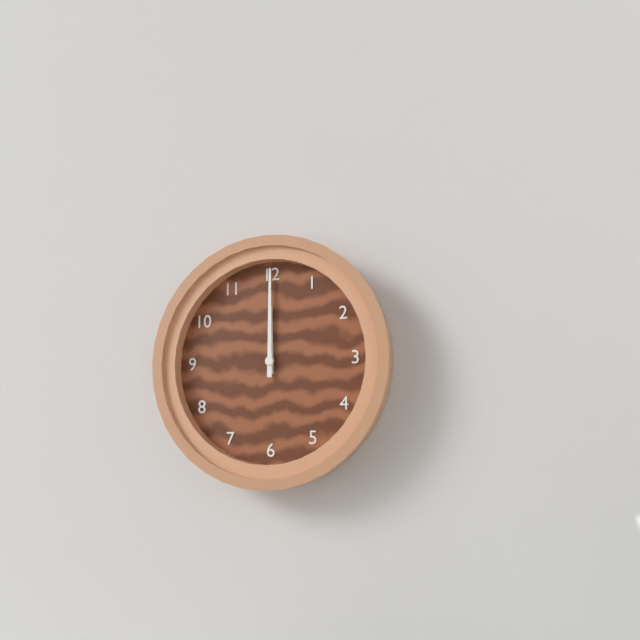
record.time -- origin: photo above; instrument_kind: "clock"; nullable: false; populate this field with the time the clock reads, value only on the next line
12:00
